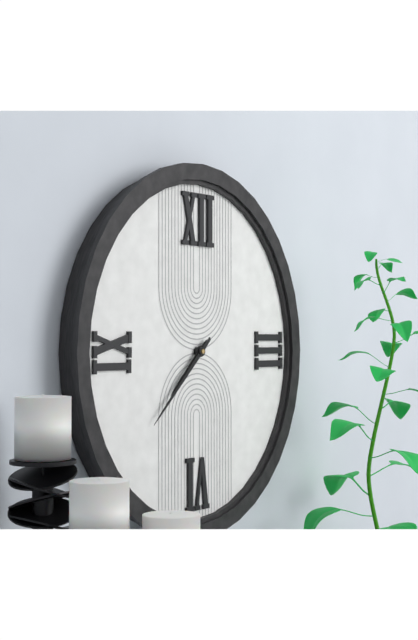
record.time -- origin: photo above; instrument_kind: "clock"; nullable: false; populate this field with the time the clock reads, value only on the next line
7:38
